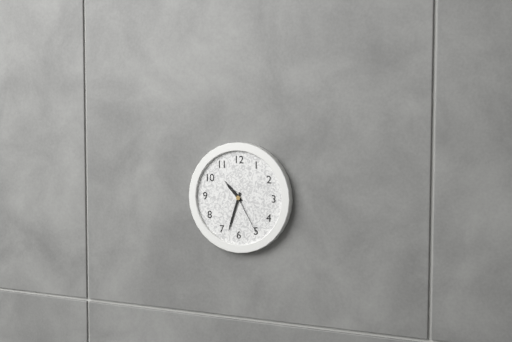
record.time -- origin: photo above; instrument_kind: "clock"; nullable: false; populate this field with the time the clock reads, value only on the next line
10:33
